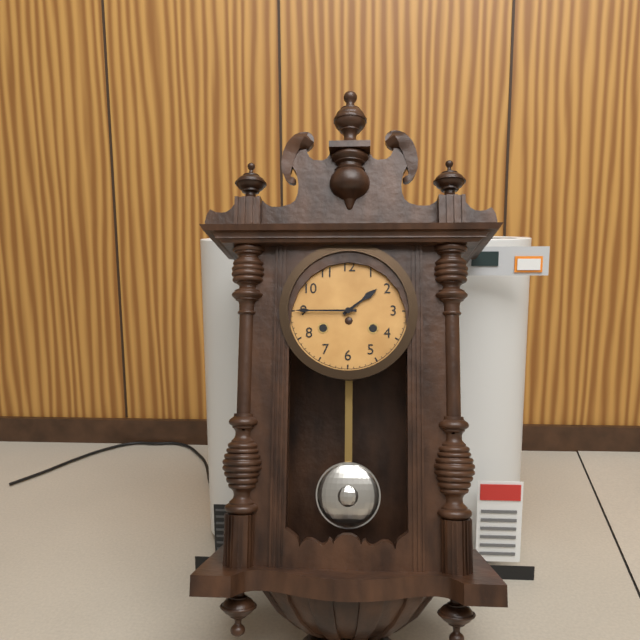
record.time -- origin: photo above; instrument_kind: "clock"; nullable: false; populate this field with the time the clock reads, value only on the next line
1:45
